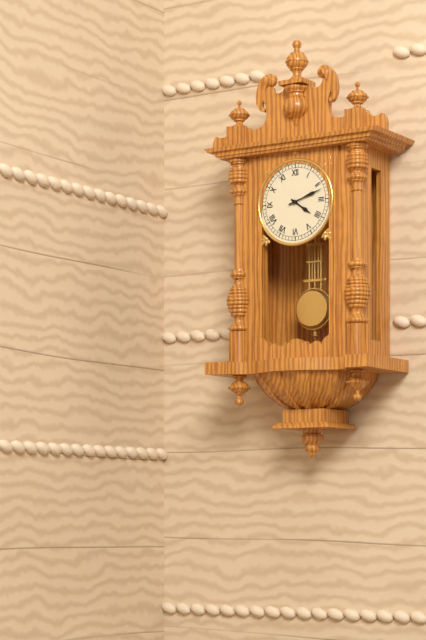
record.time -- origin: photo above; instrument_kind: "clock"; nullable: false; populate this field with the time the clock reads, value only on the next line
4:12
